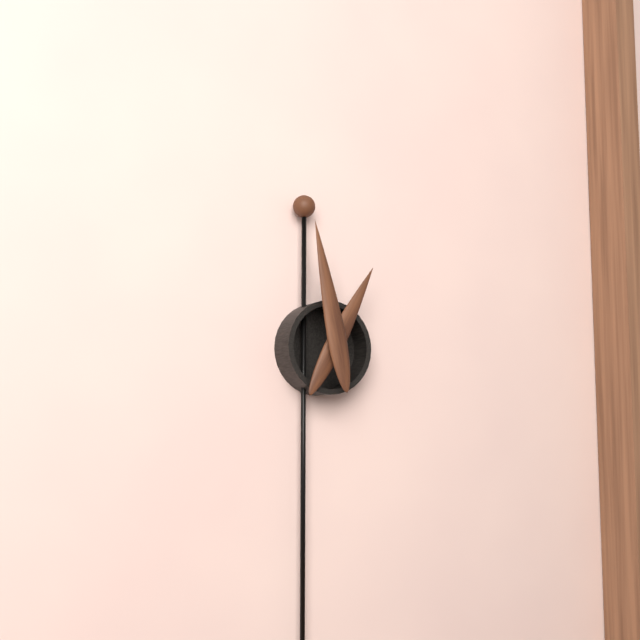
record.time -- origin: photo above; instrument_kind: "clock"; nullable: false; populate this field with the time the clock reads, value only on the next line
12:58
